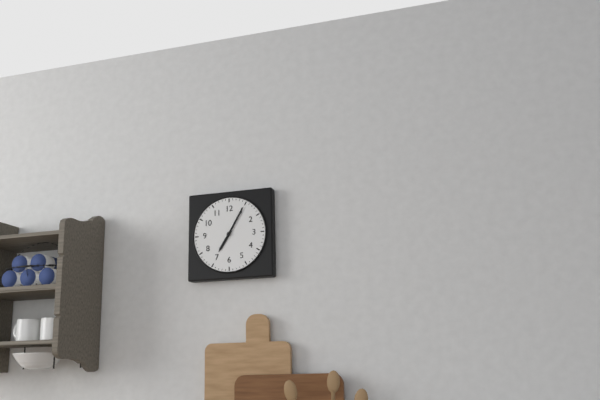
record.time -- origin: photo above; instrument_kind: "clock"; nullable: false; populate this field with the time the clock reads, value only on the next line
7:05
